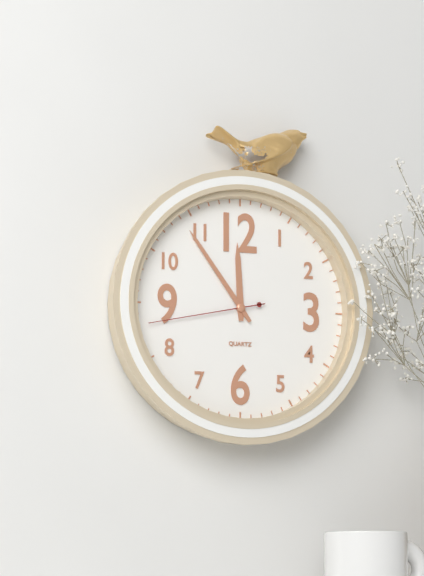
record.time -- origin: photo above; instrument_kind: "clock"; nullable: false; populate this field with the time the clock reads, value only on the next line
11:54:43
